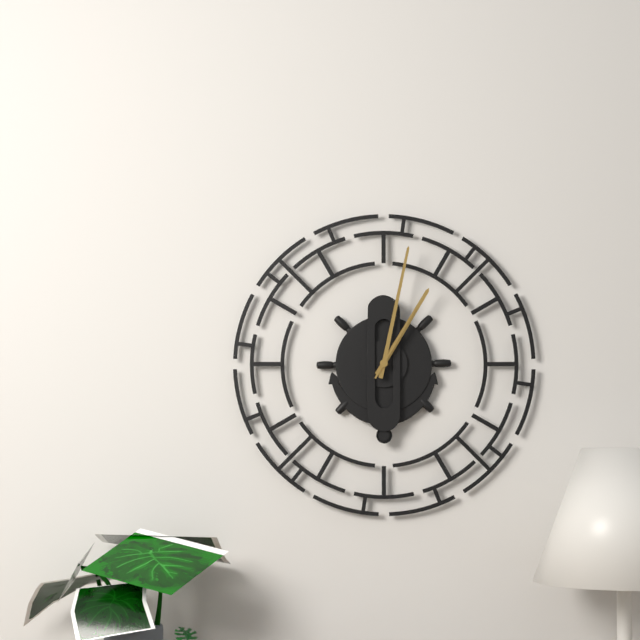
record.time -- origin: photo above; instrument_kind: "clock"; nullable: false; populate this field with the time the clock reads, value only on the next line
1:02:05
